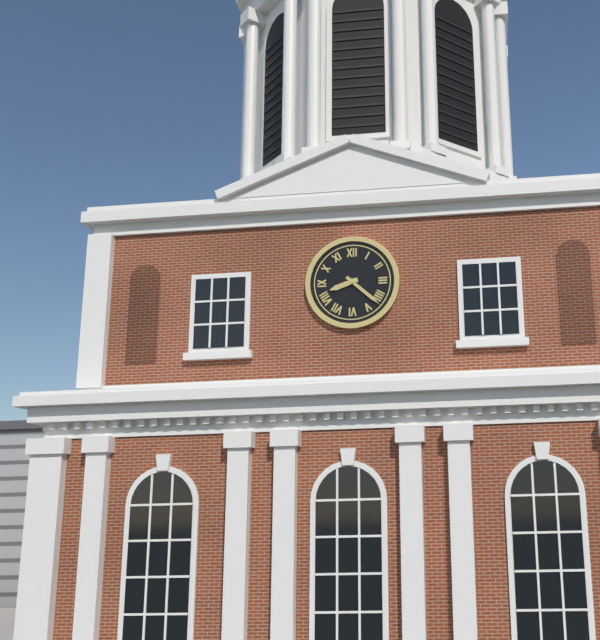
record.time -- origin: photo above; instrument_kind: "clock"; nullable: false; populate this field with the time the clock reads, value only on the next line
8:22
